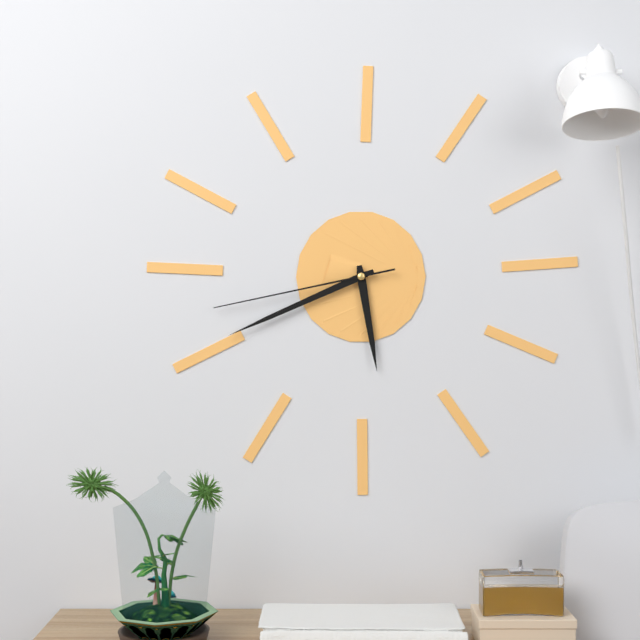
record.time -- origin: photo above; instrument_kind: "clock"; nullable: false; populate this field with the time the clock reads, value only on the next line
5:41:43
